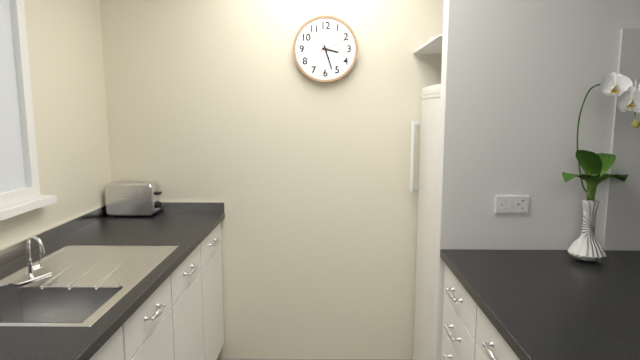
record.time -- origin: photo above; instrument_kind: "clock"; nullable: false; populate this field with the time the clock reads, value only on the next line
3:27
